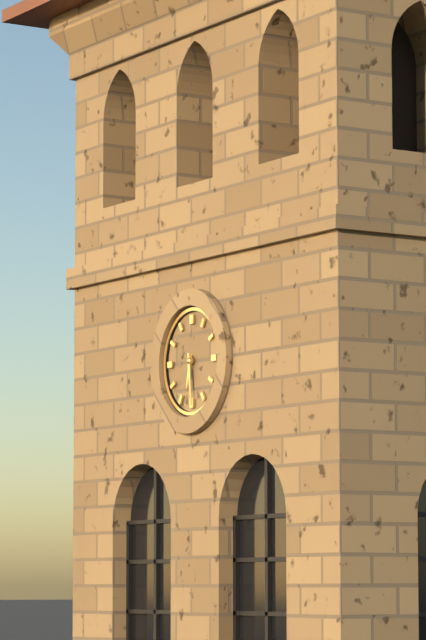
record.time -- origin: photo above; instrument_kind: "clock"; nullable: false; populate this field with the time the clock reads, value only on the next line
6:29
